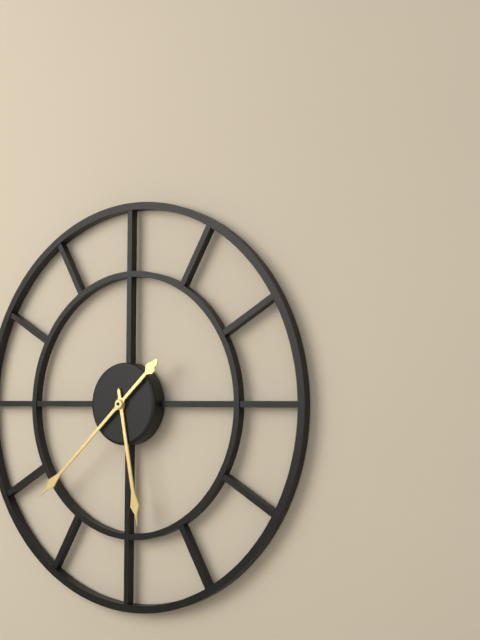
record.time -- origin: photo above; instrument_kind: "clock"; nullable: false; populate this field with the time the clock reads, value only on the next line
5:38
